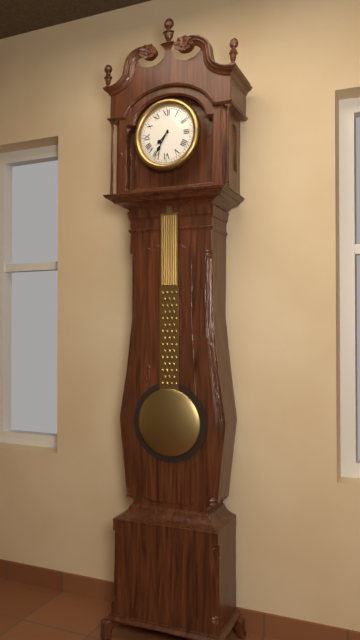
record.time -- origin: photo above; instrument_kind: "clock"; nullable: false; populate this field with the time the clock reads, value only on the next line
7:35
